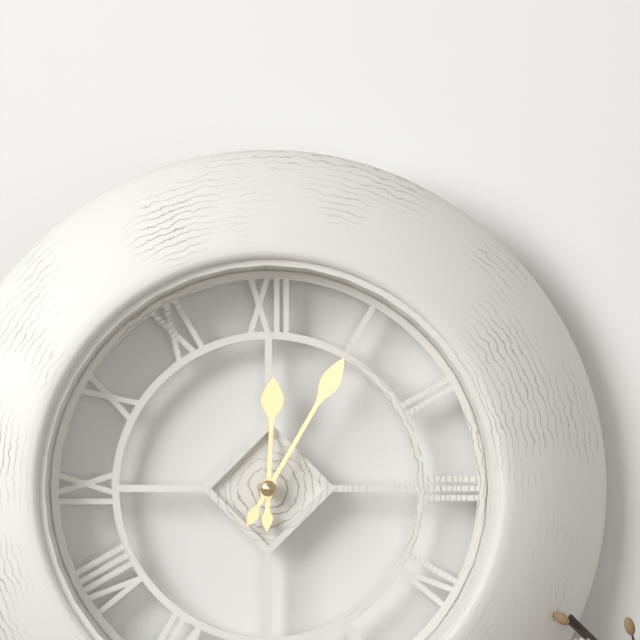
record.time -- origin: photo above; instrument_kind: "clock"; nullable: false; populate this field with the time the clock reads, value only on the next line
12:05
